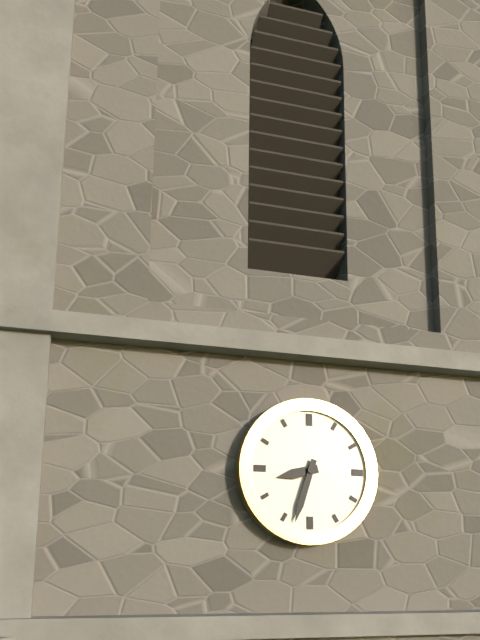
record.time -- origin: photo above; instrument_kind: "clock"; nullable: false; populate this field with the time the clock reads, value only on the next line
8:33
